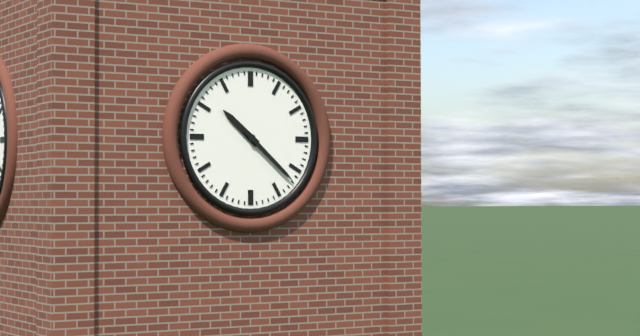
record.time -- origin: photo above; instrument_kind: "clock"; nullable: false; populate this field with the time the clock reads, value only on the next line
10:22
